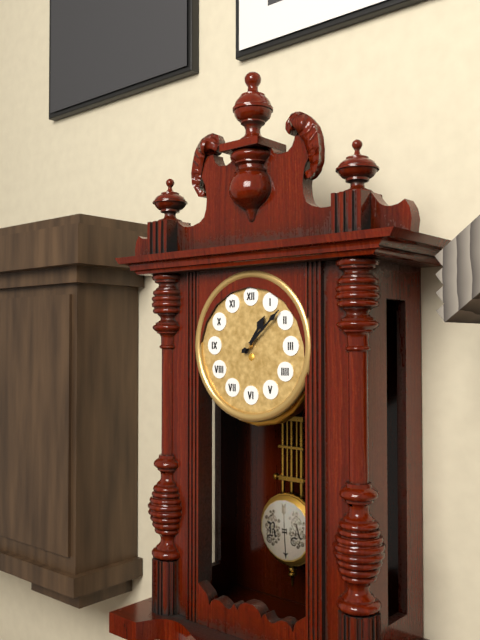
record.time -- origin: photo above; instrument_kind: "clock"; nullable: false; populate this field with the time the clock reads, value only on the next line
1:08
